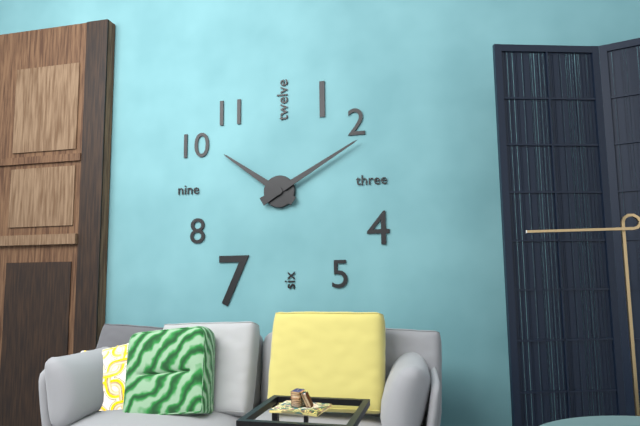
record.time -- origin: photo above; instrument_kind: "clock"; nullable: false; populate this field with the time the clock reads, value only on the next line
10:10
